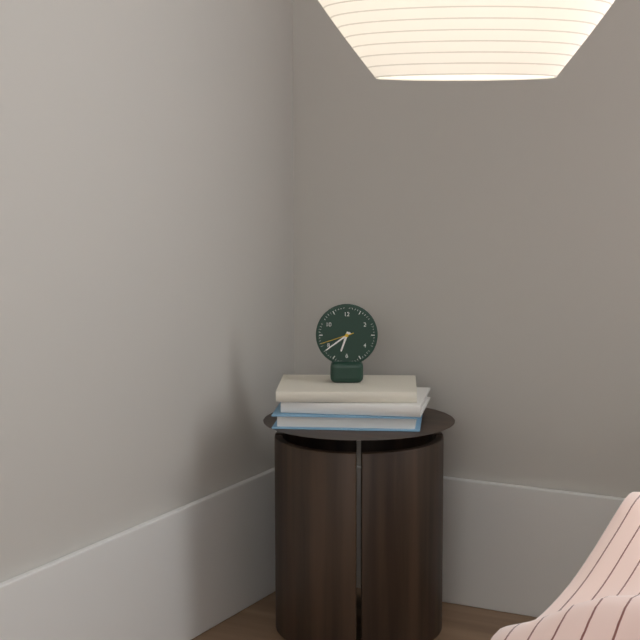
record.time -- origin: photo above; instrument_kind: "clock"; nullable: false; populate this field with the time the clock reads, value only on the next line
6:39
